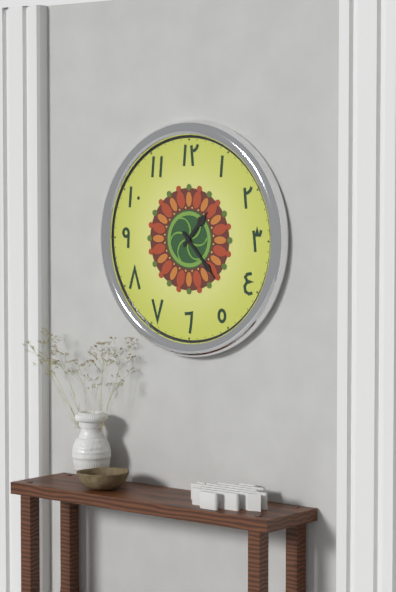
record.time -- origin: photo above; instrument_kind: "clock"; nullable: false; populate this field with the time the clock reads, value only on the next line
1:23
